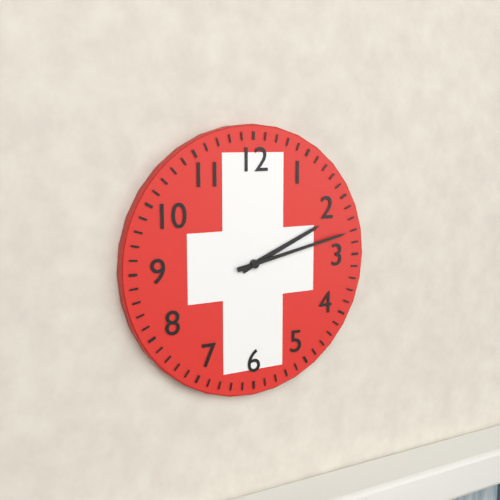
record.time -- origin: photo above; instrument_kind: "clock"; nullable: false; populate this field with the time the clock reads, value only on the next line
2:13
